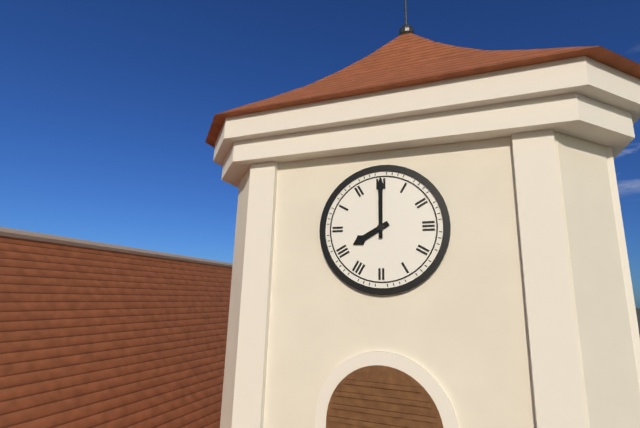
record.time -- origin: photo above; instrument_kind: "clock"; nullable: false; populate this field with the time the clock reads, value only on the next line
8:00
